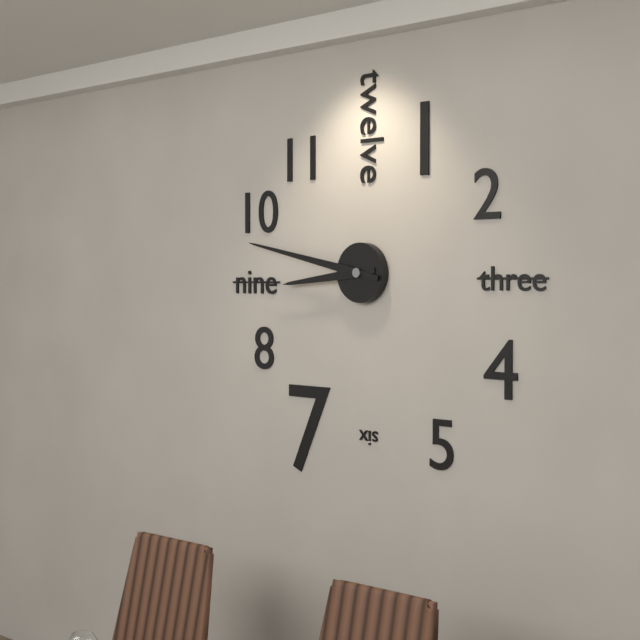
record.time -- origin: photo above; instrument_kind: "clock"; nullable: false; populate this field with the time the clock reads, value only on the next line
8:47
